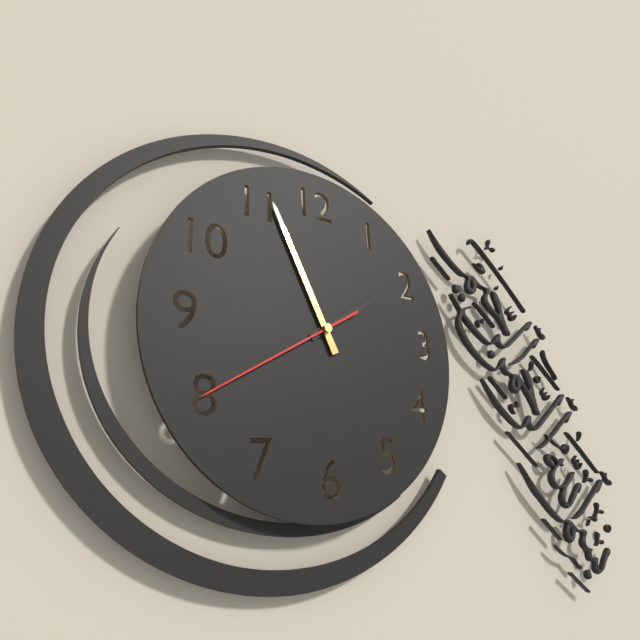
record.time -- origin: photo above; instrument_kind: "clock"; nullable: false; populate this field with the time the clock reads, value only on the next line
1:56:40
